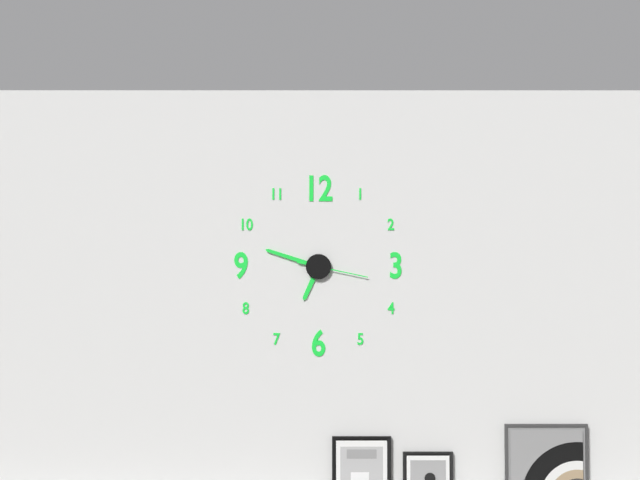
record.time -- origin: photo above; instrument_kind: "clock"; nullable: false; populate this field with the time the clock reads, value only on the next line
6:48:17
